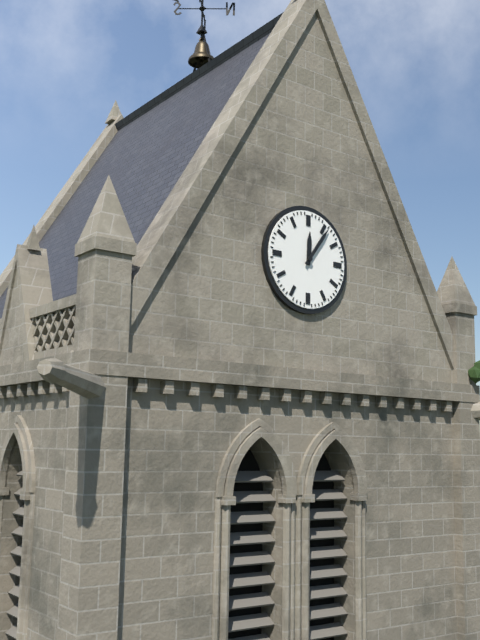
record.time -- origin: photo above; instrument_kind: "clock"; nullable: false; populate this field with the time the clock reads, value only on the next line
12:06
